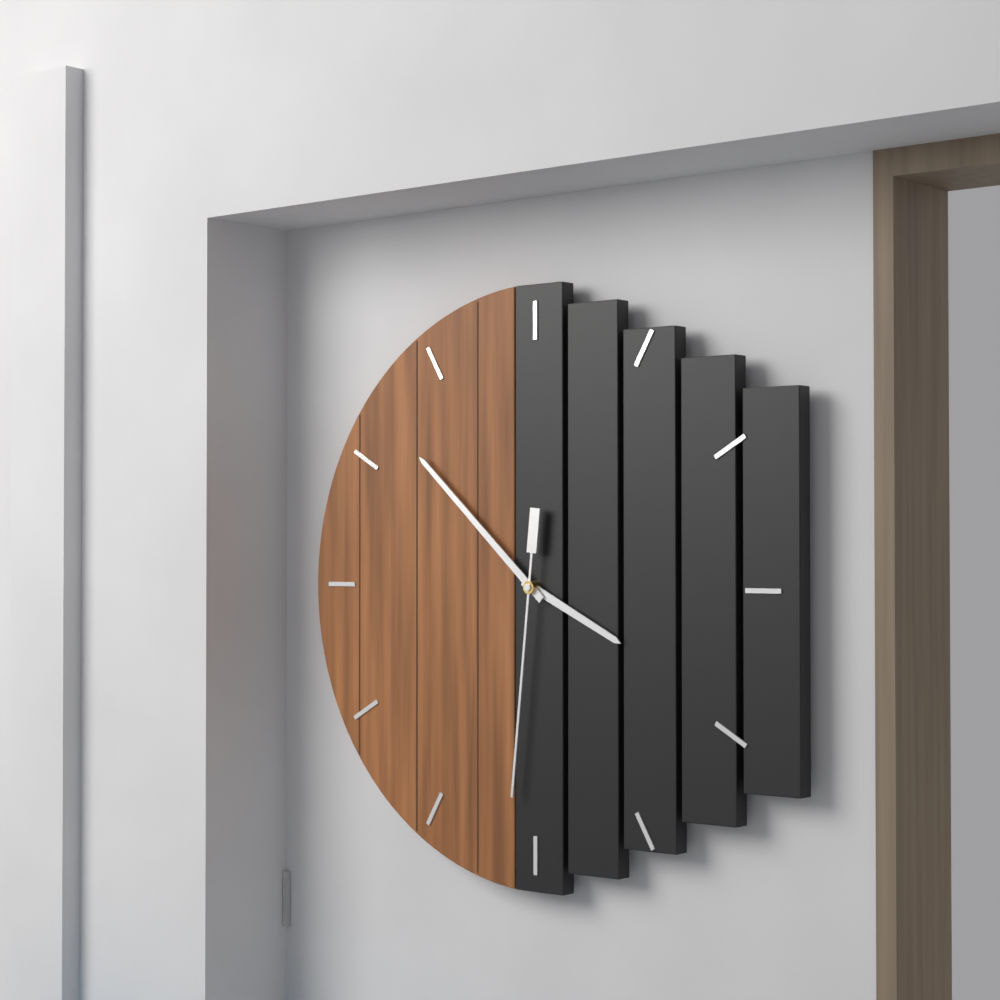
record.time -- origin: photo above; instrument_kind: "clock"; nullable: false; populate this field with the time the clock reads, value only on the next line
3:52:31
